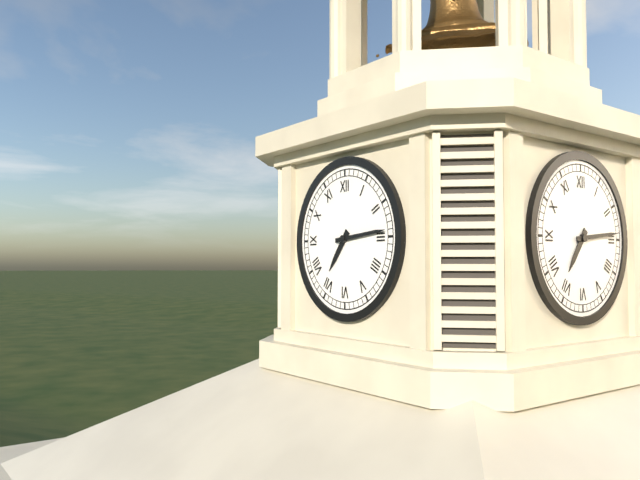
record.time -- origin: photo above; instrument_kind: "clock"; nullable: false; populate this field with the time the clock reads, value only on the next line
7:14
